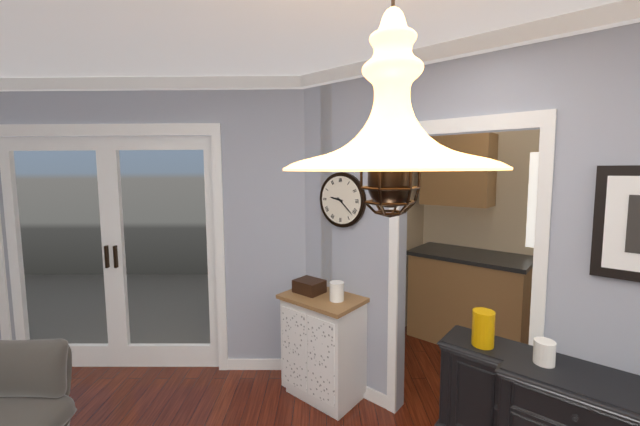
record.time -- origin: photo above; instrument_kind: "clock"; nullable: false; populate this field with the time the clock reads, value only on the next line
9:22
